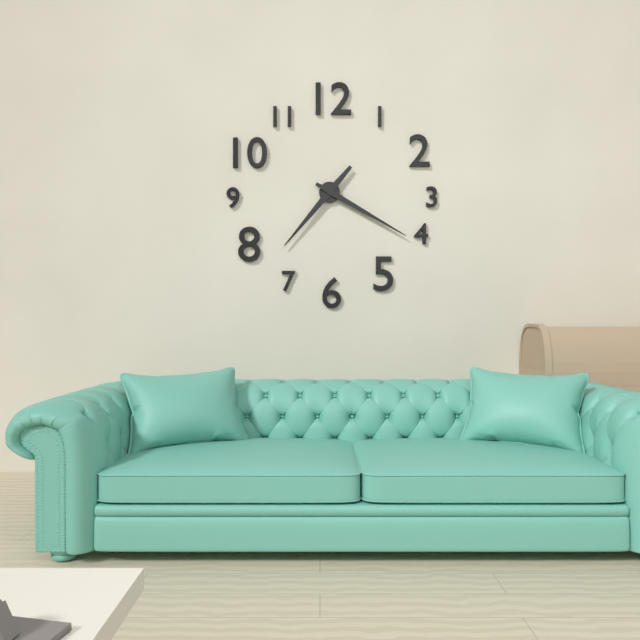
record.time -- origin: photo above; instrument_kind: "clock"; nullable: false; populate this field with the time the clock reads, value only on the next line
7:20
